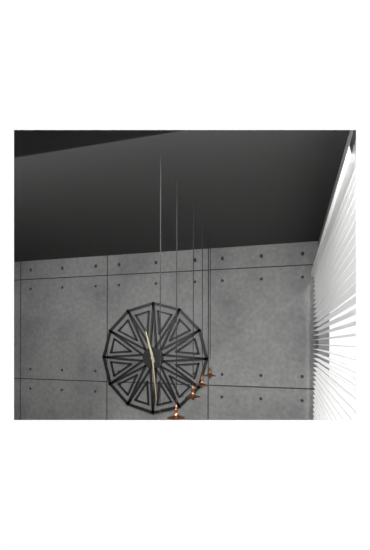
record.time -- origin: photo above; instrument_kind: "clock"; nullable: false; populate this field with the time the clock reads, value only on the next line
11:29
